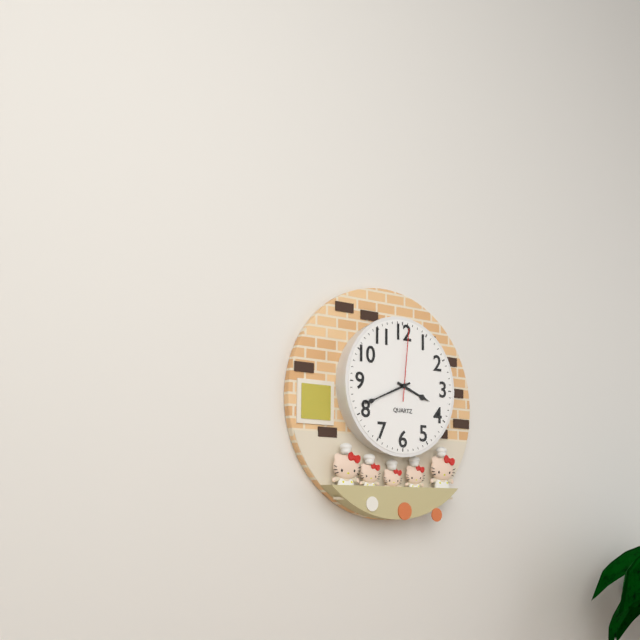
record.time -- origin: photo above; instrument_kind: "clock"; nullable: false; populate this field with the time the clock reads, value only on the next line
3:41:01
